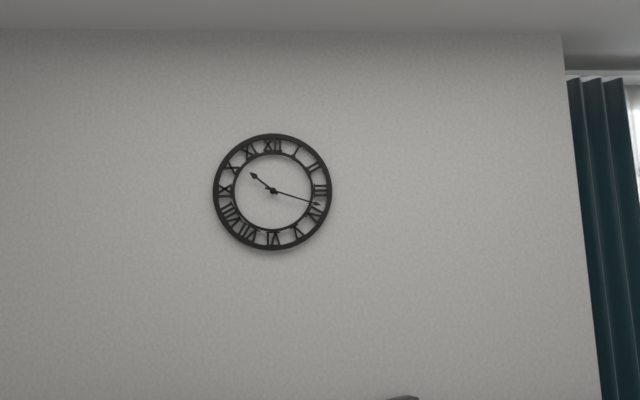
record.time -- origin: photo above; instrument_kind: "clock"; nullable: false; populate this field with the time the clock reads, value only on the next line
10:18
